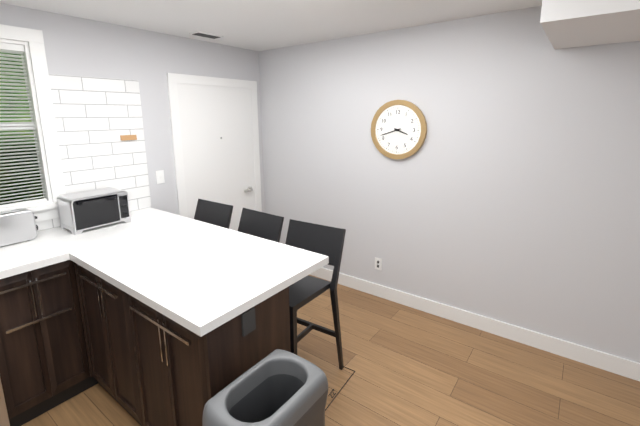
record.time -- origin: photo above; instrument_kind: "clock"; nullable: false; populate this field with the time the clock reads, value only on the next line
3:42
